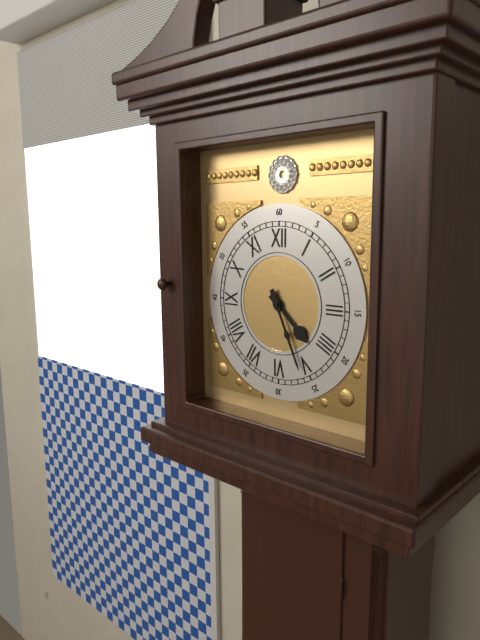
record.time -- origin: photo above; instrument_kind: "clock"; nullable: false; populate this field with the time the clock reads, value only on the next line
4:26
